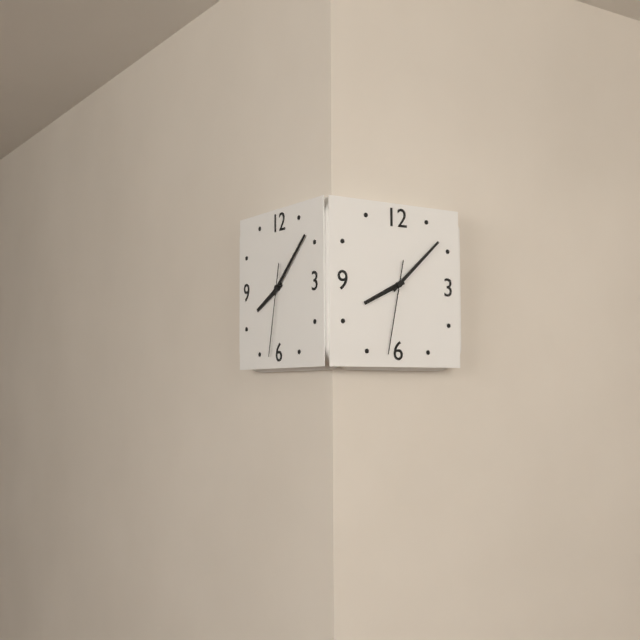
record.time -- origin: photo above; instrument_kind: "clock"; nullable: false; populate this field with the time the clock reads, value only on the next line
8:08:32
